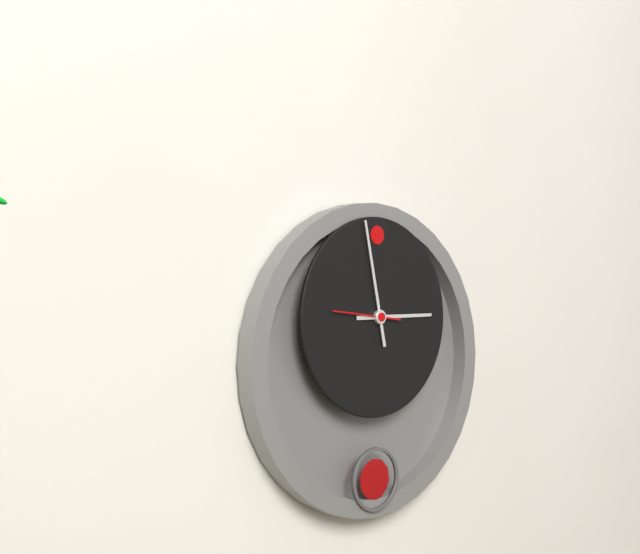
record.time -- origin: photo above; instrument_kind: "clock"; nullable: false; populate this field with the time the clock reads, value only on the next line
2:58:46
